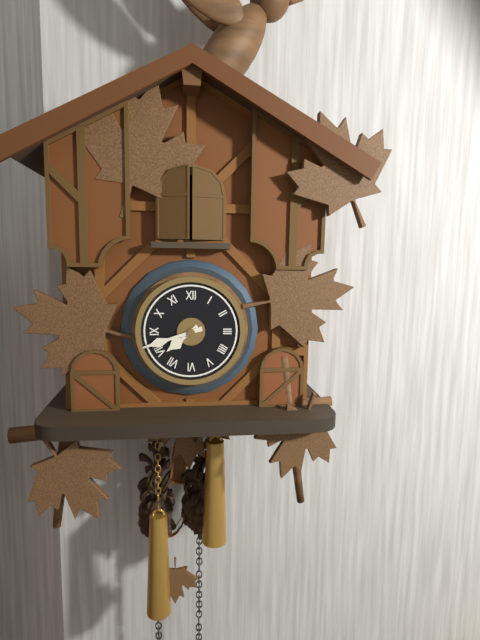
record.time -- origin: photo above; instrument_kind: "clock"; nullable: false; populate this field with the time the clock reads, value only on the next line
7:42
